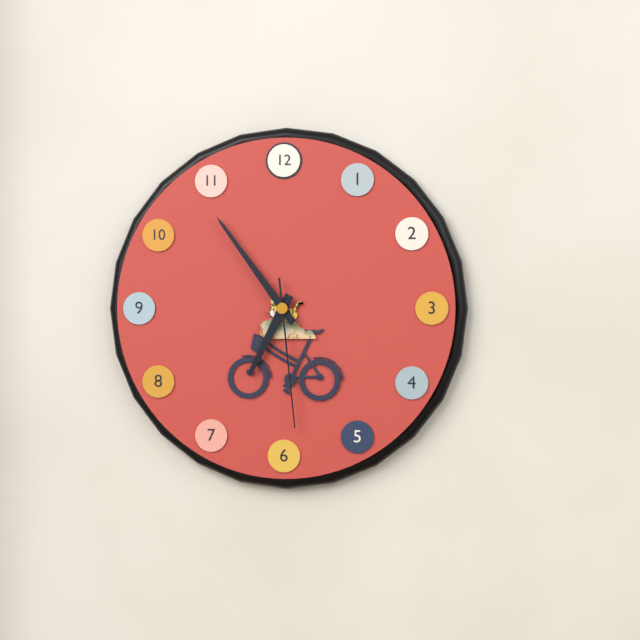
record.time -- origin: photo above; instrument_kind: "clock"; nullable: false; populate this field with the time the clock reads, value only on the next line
6:54:29
